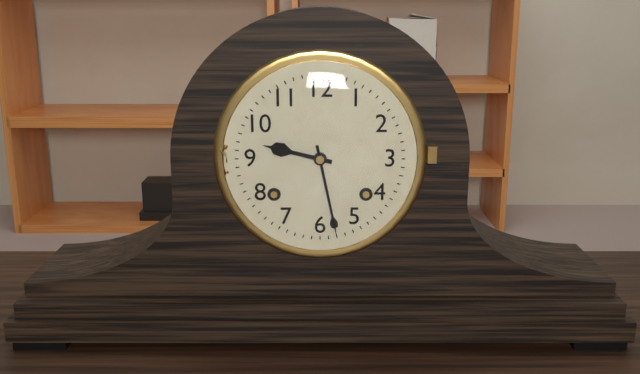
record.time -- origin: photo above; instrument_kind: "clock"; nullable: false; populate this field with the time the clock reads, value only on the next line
9:28
